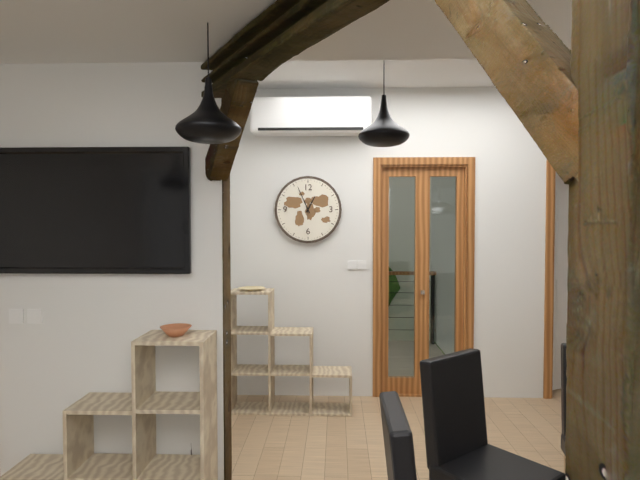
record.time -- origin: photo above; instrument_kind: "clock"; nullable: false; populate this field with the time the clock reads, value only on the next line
12:56
